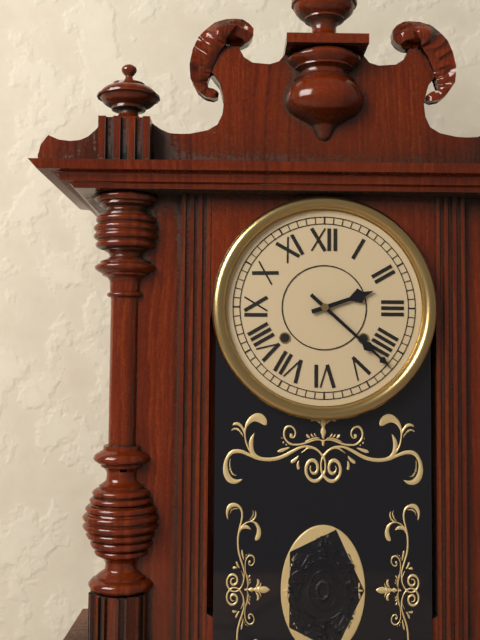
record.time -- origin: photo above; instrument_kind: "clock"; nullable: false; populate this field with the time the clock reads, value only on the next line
2:22
